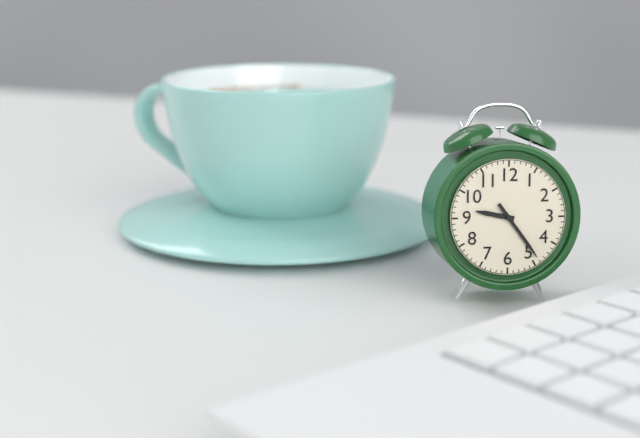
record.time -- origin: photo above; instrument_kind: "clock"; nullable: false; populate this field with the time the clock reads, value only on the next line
9:24
